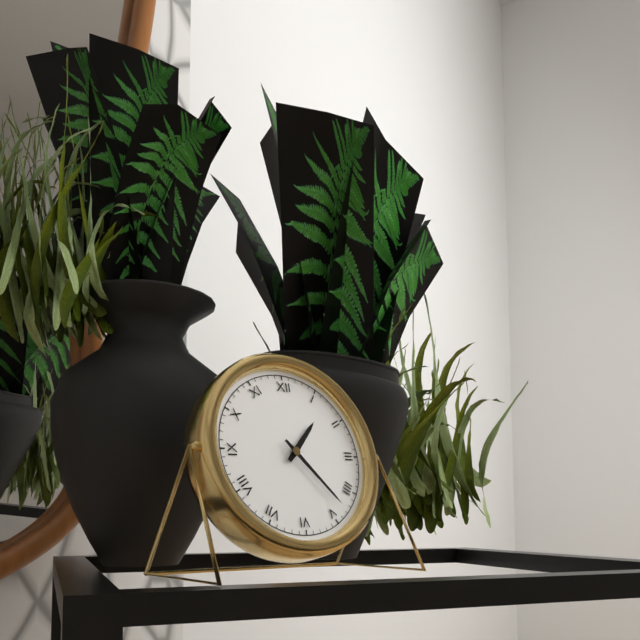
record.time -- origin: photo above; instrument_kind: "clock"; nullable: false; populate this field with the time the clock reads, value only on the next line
1:23
